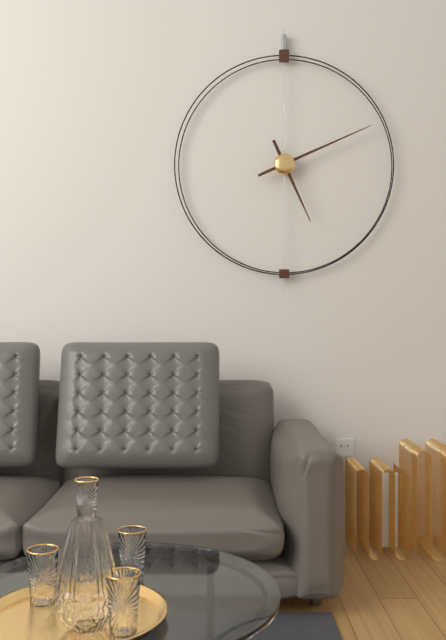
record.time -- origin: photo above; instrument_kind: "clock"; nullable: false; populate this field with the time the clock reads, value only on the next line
5:11
